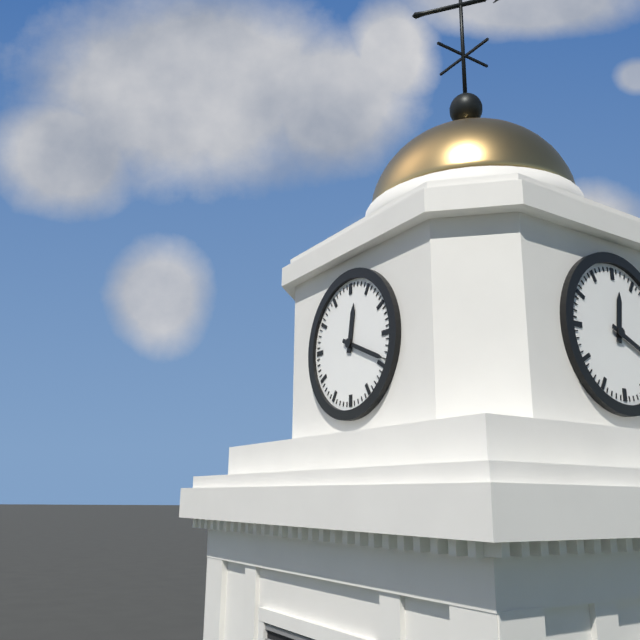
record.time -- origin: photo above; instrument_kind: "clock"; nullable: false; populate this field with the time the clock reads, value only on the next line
12:19
